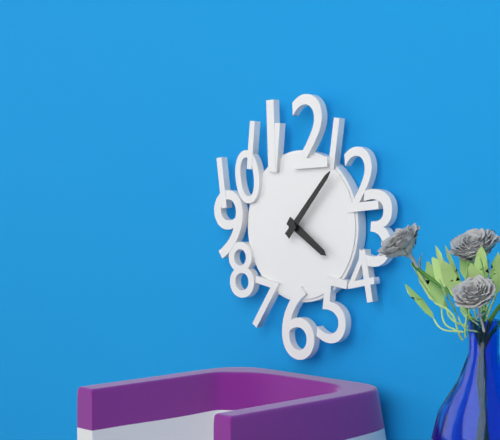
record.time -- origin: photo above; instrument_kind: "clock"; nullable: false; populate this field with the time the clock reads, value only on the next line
4:07
